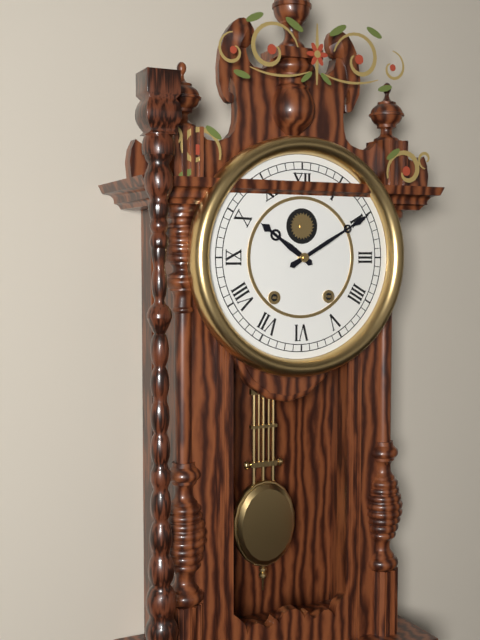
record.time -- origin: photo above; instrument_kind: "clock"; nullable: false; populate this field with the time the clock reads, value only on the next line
10:10
